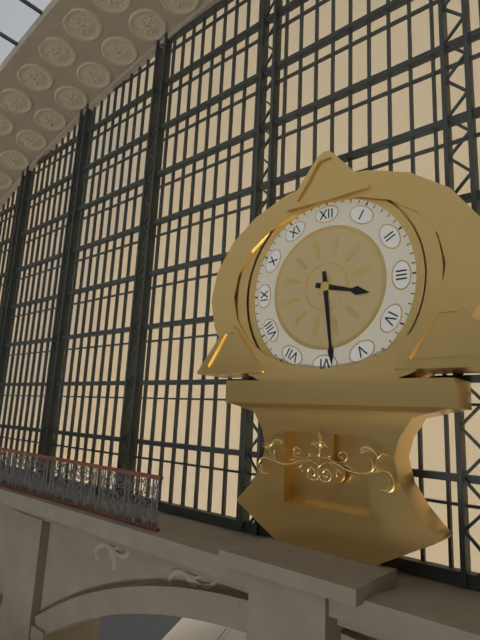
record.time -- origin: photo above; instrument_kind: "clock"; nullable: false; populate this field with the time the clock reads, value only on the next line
3:29
